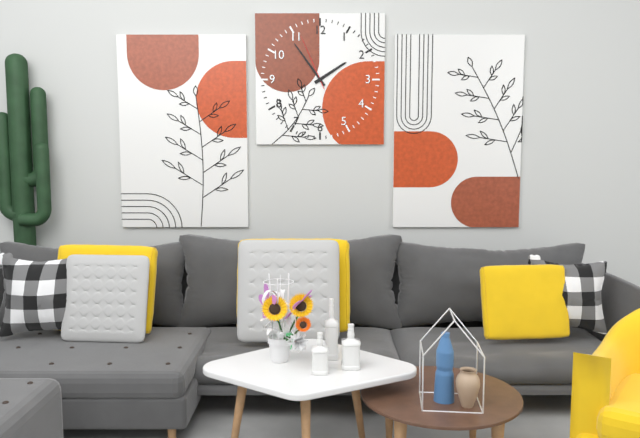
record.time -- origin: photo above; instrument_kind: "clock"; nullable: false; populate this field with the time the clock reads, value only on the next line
1:54:56
